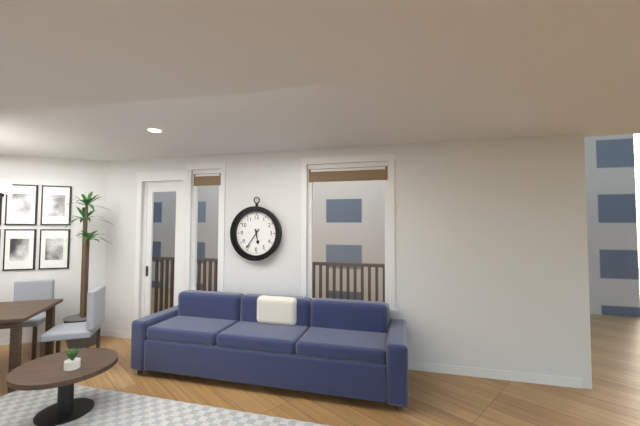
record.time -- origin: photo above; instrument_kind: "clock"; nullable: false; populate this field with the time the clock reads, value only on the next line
5:36
